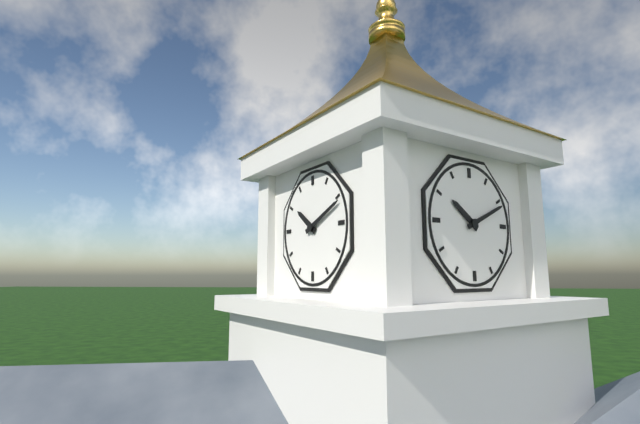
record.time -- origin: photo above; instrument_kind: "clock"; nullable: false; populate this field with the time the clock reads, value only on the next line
10:11
